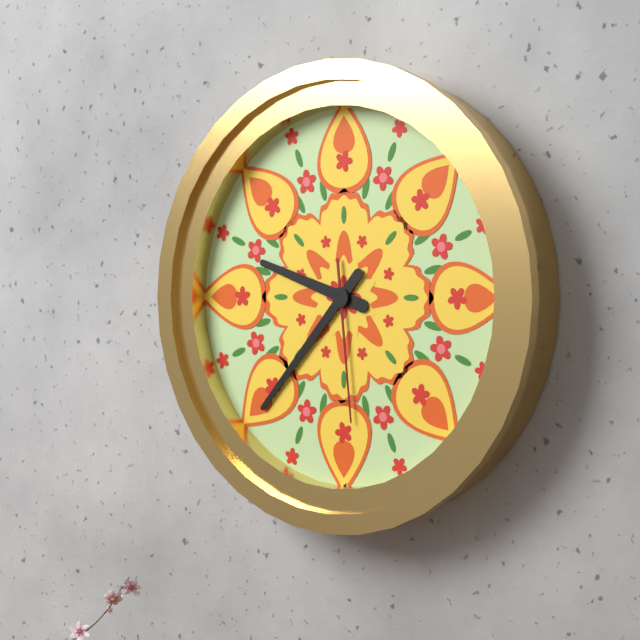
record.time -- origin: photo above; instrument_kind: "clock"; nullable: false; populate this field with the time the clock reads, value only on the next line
9:37:29
